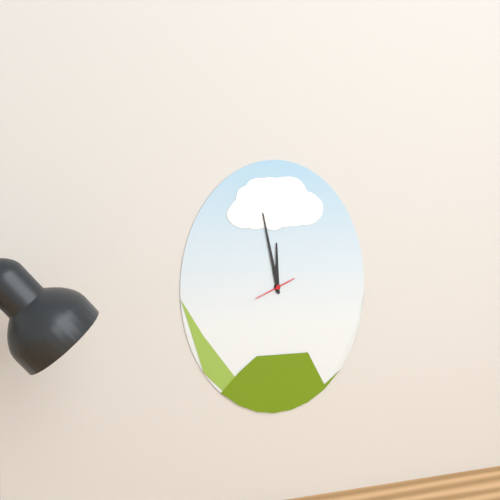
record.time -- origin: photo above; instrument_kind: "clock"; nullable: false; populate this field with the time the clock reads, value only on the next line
11:58
